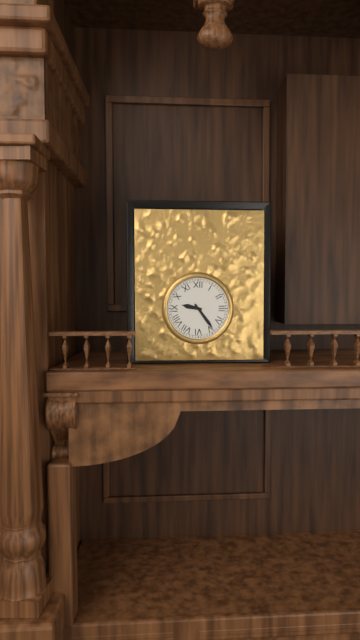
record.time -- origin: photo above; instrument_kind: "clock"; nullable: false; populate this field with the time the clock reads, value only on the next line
9:24
